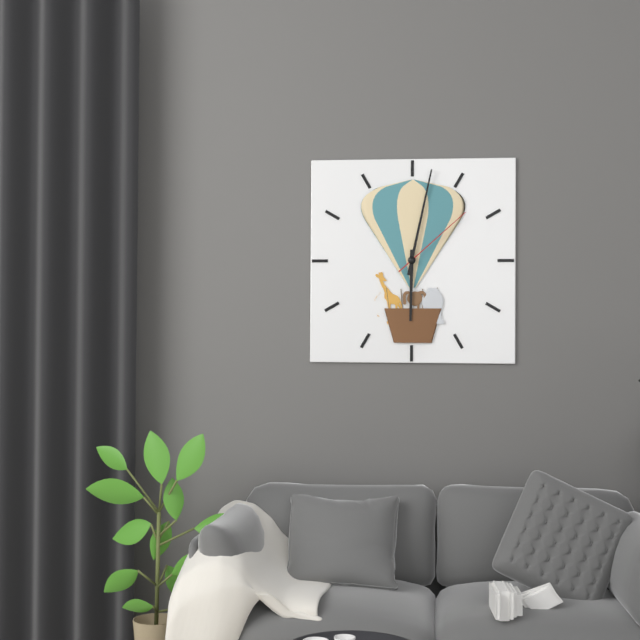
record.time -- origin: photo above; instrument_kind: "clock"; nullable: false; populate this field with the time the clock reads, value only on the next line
6:02:08
